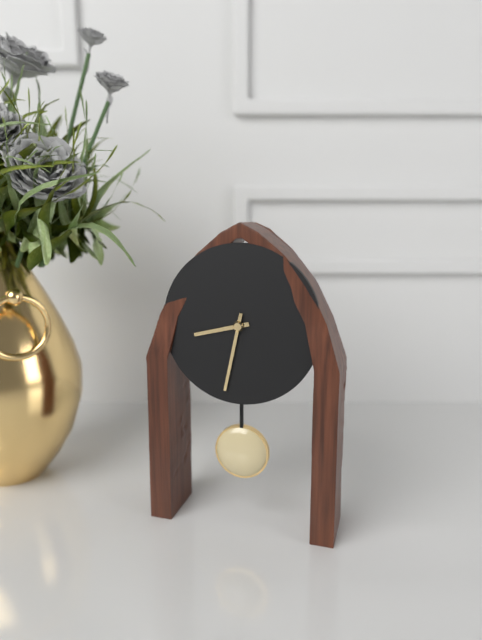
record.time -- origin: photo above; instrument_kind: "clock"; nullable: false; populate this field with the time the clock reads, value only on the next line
8:32
